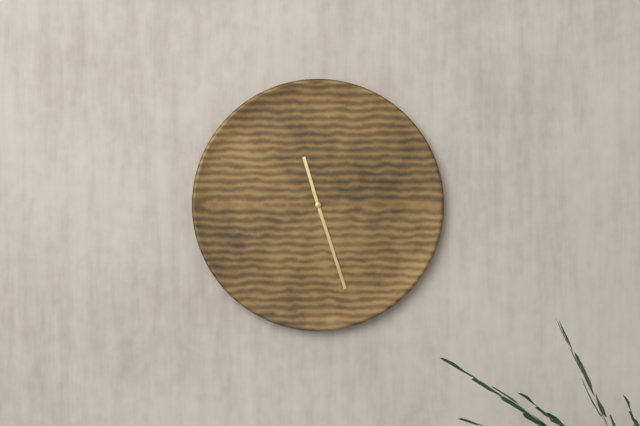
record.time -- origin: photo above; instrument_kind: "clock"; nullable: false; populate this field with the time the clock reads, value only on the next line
11:27
